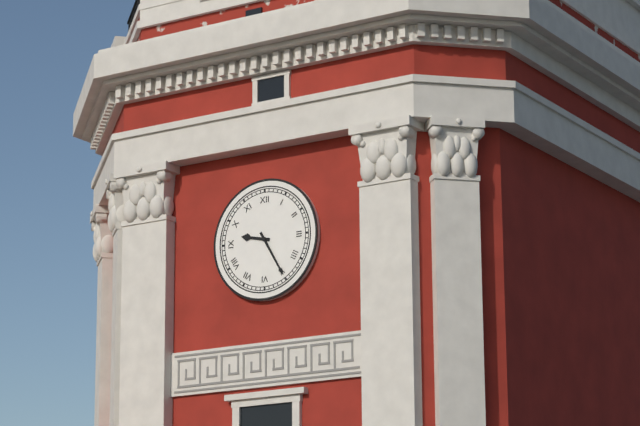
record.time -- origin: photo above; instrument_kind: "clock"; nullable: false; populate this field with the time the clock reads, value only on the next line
9:25
